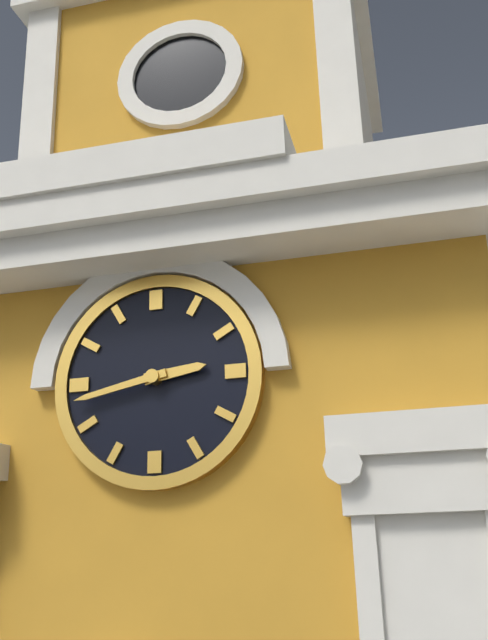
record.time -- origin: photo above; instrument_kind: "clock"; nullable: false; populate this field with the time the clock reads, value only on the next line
2:43
